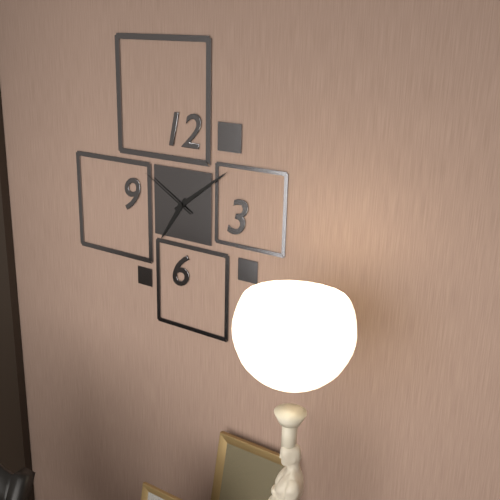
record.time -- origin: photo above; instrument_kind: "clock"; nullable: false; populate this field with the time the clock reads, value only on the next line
7:09:50
